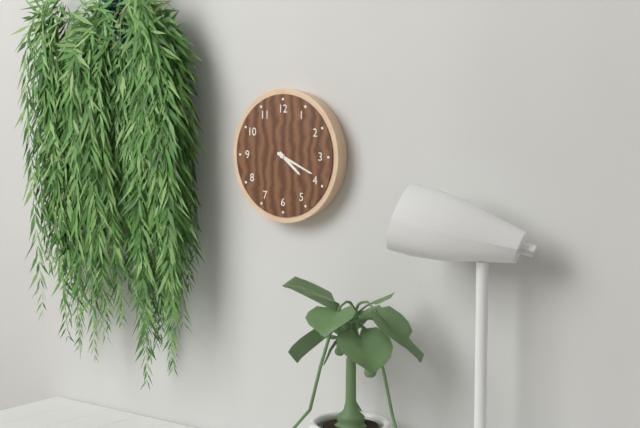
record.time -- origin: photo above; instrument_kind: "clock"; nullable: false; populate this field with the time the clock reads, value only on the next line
4:19
